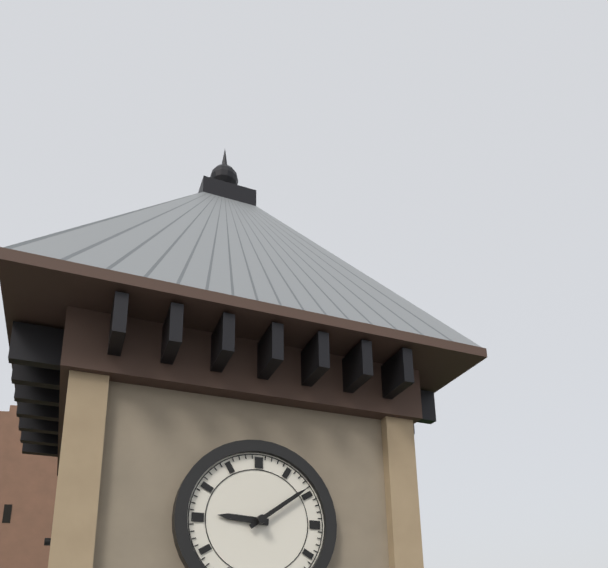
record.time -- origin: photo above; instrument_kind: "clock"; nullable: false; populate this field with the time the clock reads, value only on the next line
9:09
